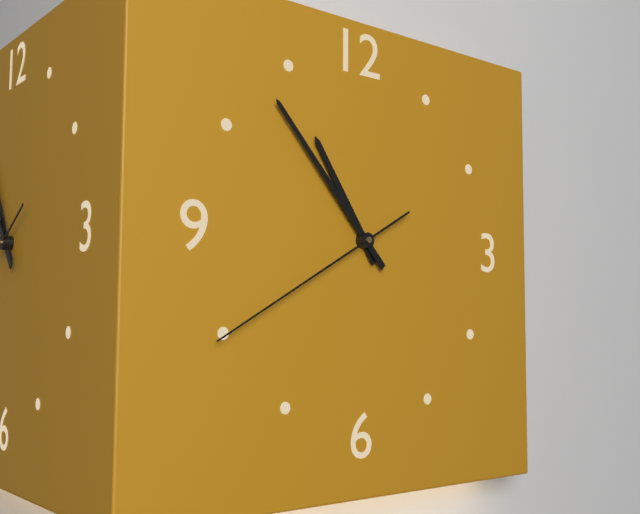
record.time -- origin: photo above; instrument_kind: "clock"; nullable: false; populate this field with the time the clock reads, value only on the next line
10:53:40
